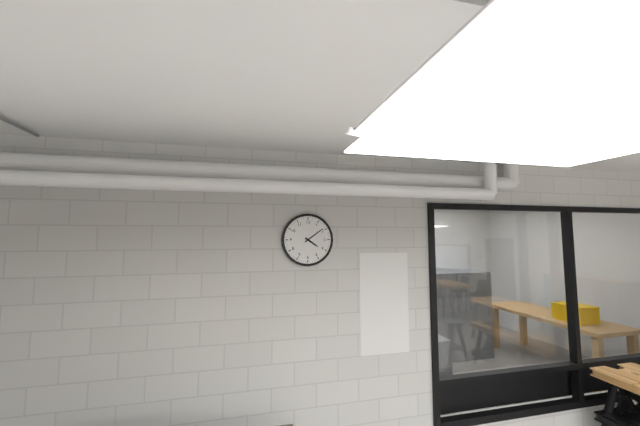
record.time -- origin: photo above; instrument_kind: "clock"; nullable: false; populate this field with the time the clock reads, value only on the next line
4:09
